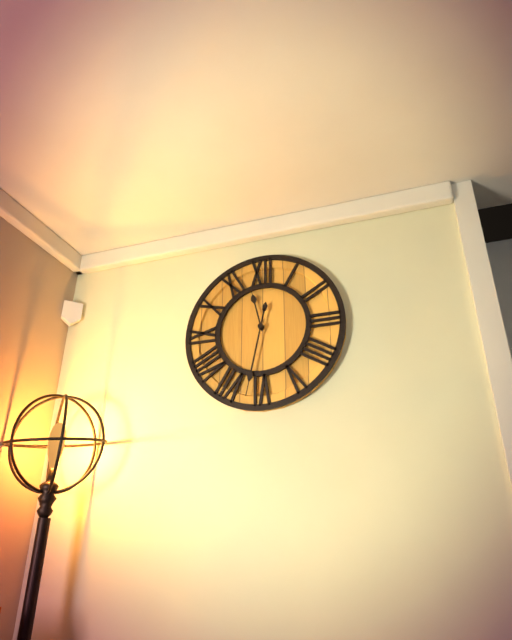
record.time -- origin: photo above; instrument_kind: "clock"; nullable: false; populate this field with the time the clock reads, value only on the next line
11:32
